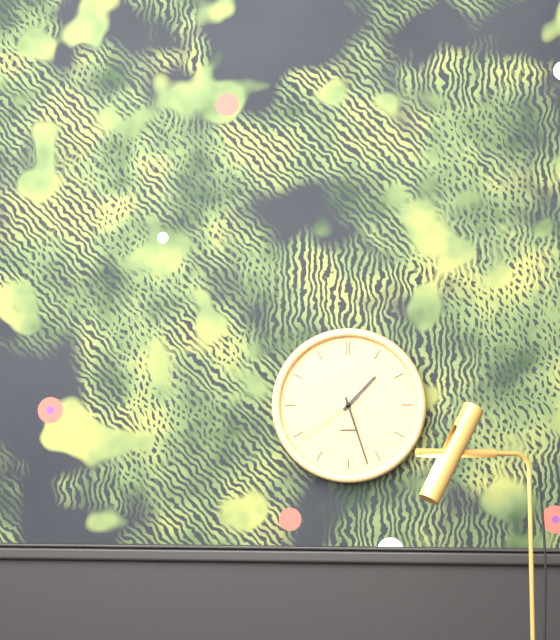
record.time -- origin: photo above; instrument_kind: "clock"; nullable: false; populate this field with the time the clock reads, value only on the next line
1:27:39
